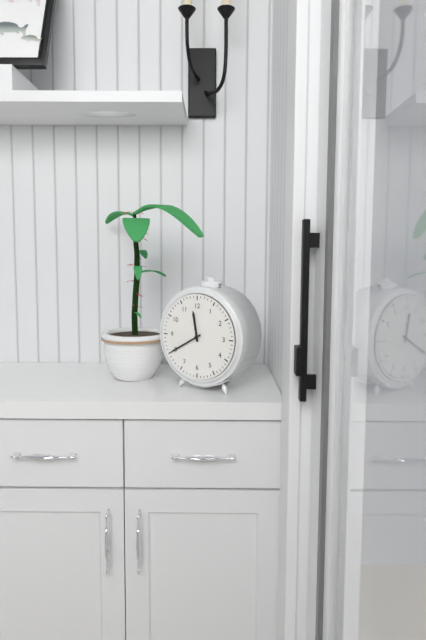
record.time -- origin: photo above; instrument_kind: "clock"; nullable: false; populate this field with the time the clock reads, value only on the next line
11:40
